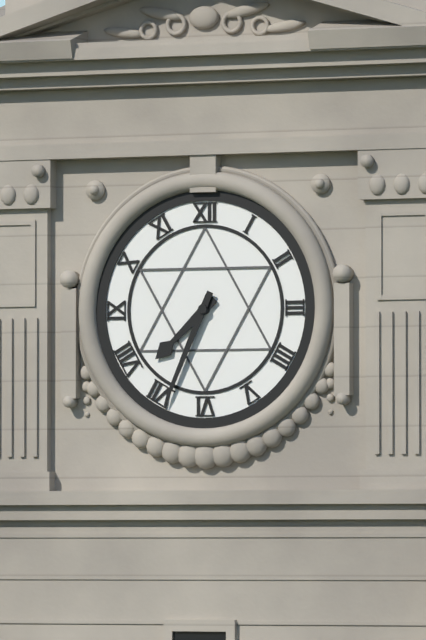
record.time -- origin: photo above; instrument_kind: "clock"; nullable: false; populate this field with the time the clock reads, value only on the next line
7:34
